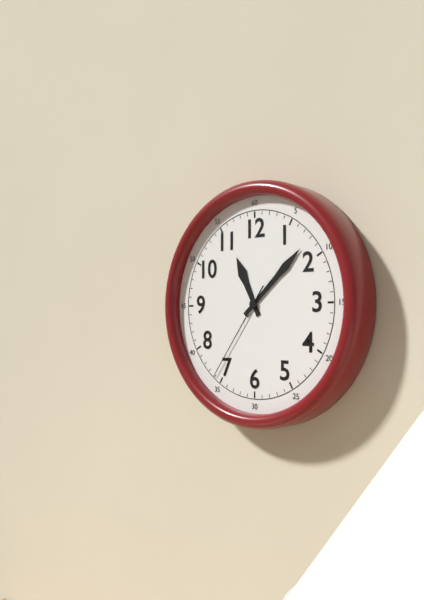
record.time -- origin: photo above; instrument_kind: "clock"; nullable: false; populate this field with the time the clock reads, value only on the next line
11:08:36
